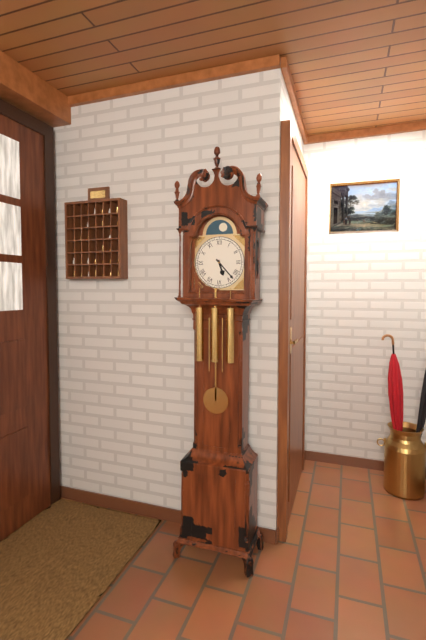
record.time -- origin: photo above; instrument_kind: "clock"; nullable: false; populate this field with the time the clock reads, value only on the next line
5:23
